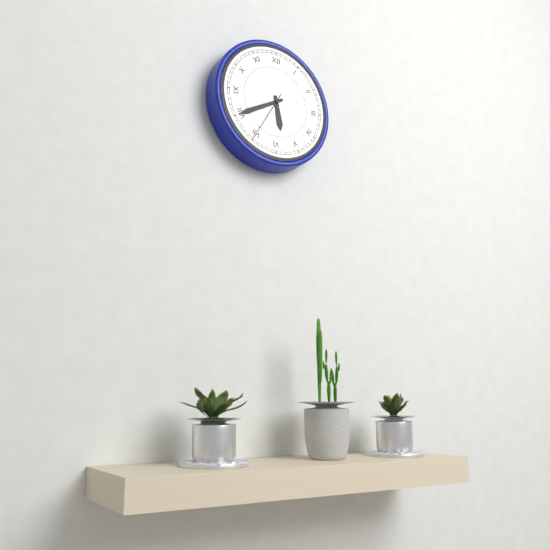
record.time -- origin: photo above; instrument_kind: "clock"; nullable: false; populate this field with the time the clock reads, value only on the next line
5:40:35
